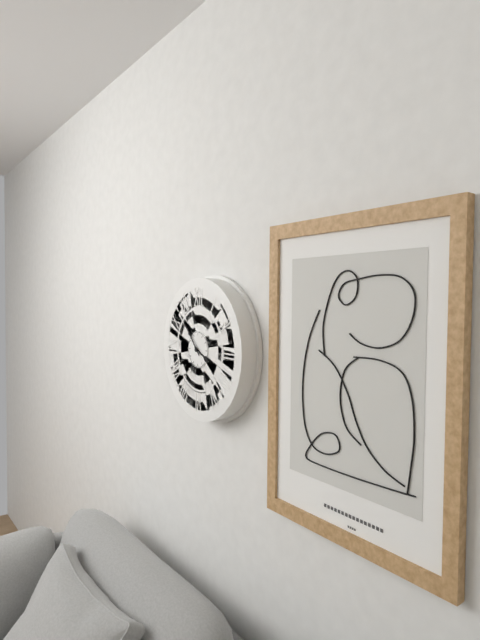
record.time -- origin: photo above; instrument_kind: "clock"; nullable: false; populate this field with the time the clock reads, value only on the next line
3:53
